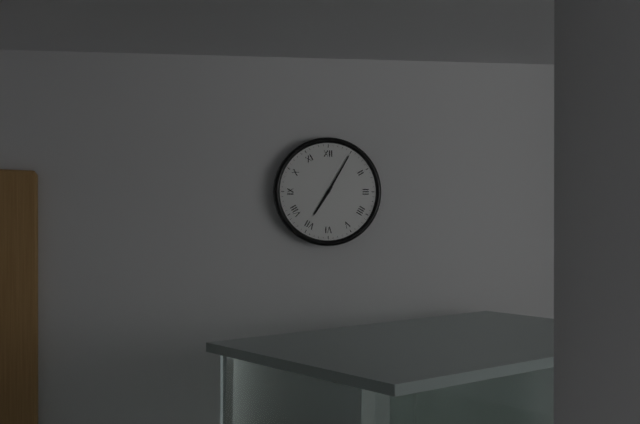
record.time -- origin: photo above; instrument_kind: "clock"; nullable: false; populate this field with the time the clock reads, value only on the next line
7:05
